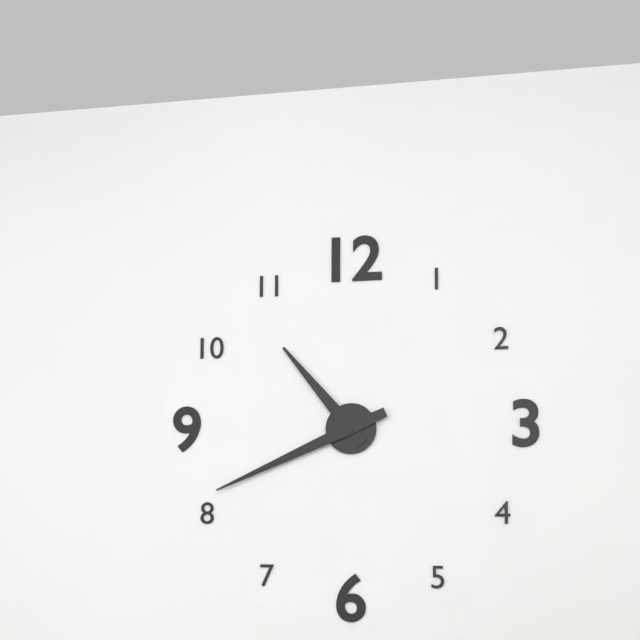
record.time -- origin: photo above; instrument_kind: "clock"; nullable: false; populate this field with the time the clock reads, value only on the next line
10:41
